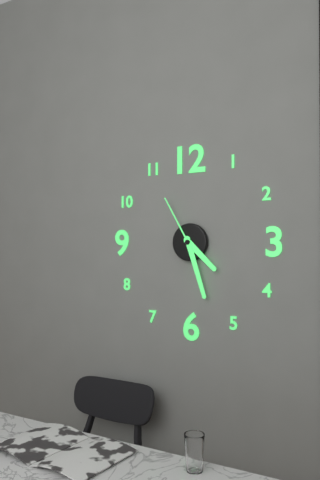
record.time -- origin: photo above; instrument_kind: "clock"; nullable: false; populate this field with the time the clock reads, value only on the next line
4:27:55
